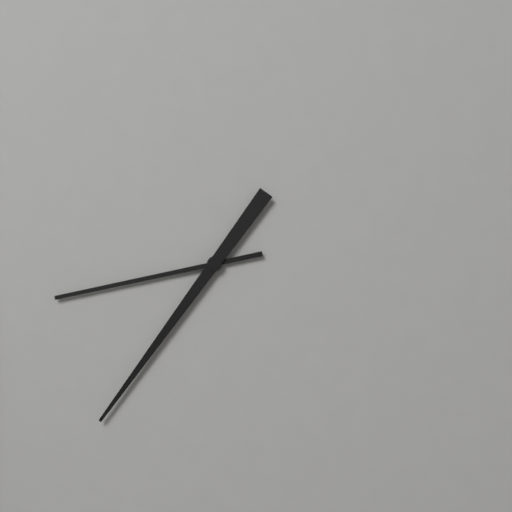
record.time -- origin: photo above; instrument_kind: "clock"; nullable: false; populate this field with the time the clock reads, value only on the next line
8:36
